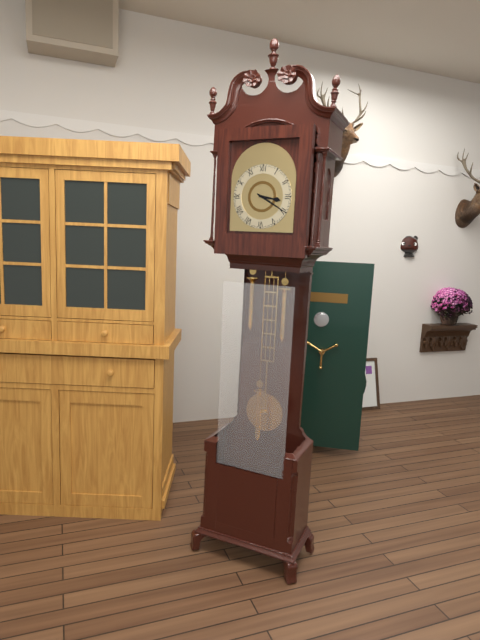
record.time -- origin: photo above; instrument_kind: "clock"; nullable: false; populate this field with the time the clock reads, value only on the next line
3:20
